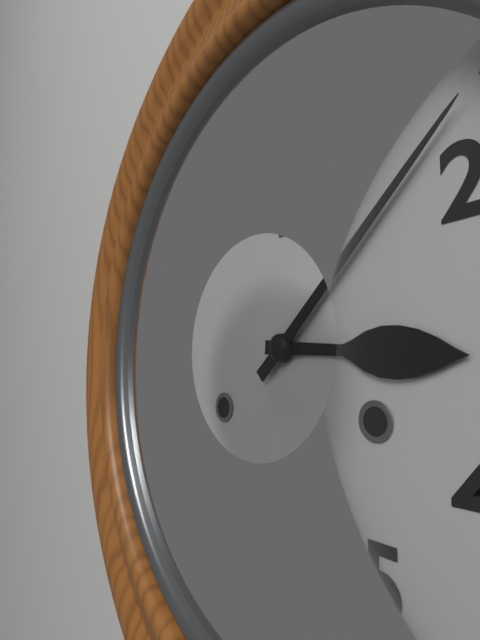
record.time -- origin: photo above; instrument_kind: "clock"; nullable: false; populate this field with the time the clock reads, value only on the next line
3:08
